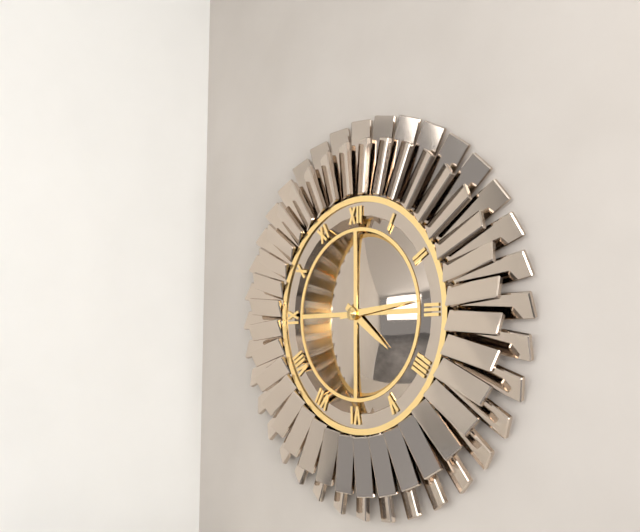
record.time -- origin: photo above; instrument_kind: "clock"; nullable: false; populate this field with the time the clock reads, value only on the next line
4:14
